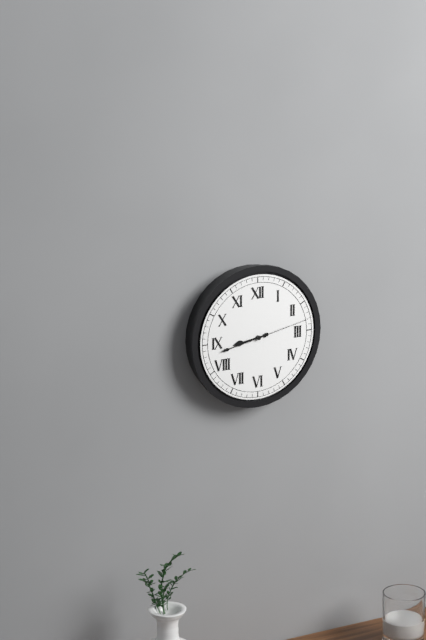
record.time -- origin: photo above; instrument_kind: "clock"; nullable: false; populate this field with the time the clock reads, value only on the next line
8:43:13
